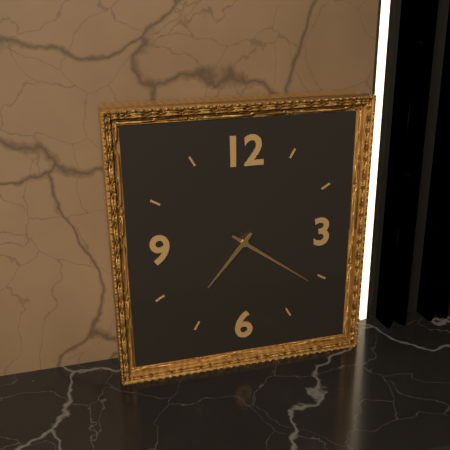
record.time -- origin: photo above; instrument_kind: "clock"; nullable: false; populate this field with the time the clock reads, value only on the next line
7:21
